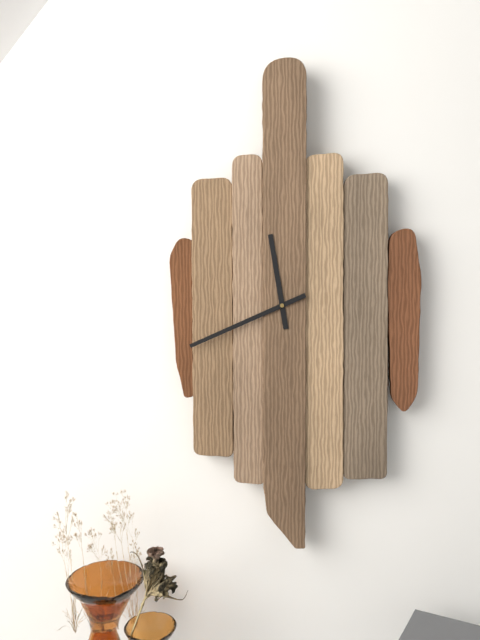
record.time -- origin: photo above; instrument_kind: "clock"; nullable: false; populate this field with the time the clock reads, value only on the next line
11:41
